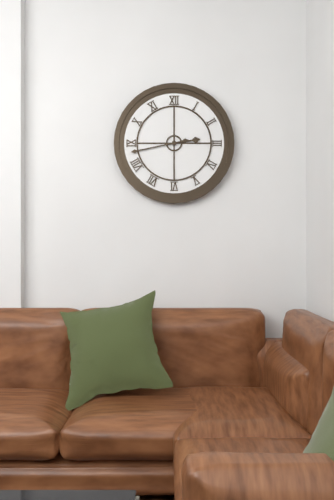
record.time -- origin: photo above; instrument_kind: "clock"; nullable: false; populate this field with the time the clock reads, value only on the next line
2:43
